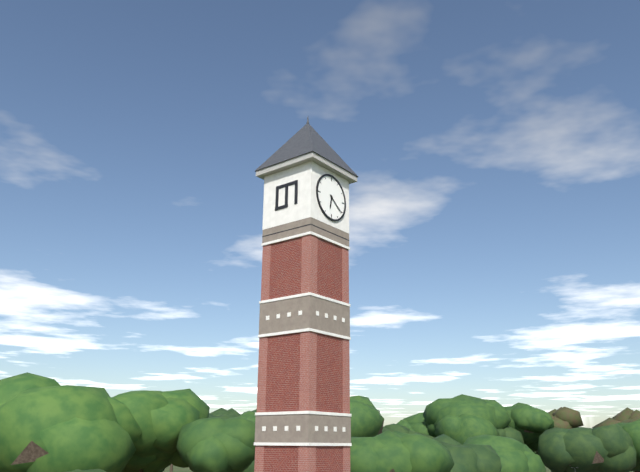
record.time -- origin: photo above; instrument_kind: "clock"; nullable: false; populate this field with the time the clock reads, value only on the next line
6:21
